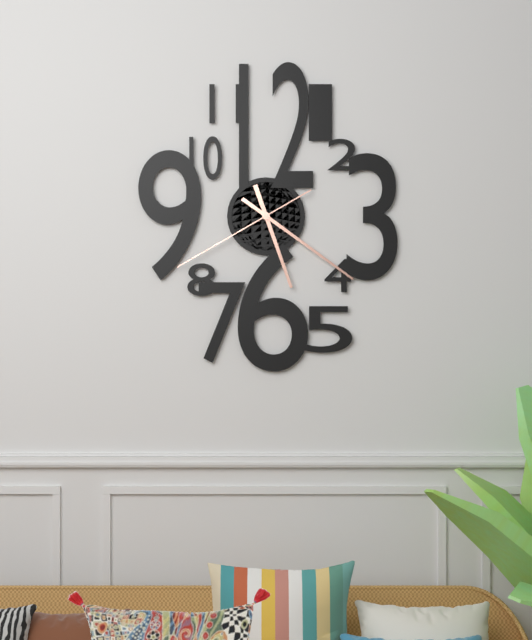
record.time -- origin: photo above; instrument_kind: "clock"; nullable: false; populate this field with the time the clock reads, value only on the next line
5:21:40
